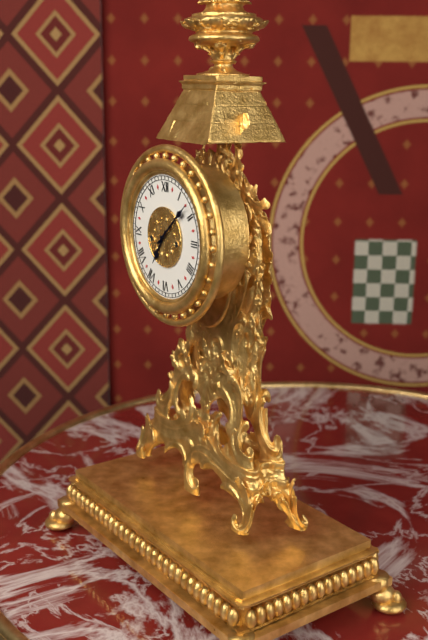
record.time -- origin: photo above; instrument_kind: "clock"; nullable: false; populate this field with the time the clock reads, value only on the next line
7:08
